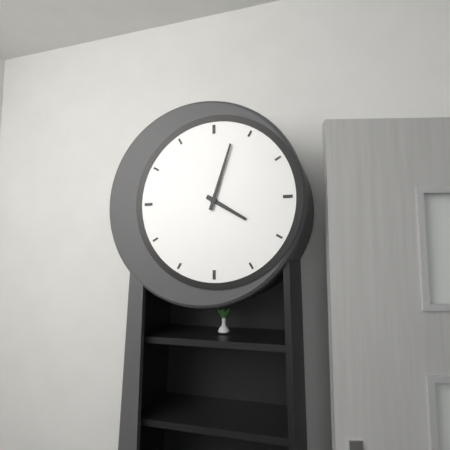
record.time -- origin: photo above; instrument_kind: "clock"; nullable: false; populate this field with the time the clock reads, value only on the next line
4:03
